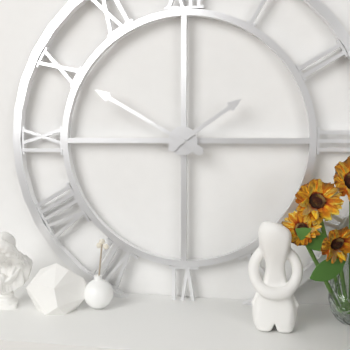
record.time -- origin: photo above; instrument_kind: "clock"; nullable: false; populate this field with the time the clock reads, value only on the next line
1:50
